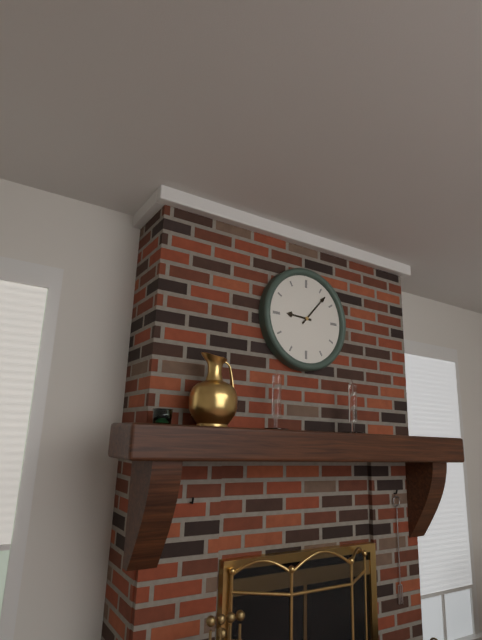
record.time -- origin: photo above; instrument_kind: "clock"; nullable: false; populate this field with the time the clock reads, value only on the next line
9:07
